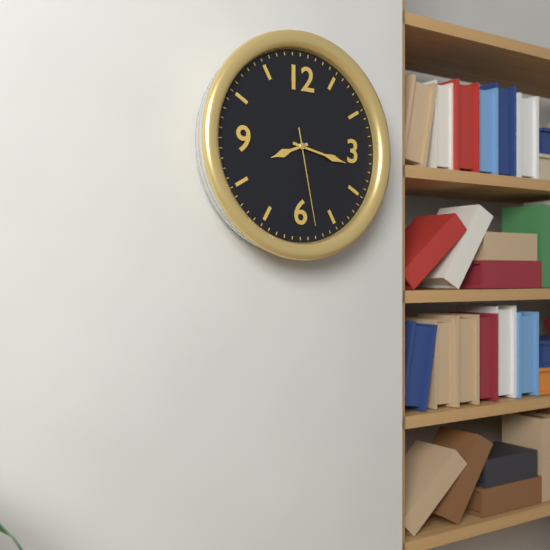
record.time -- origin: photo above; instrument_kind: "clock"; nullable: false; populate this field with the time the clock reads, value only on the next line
8:17:28
